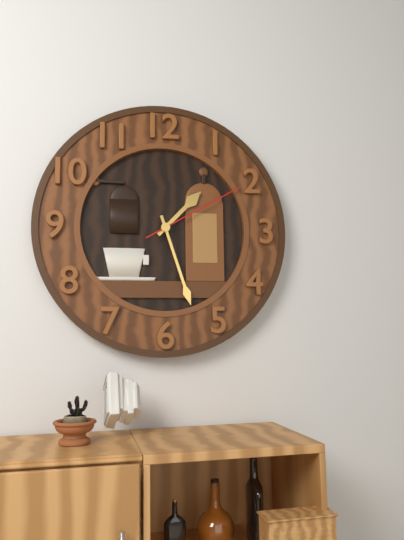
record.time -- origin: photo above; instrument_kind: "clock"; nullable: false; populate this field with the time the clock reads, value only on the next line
1:27:10
